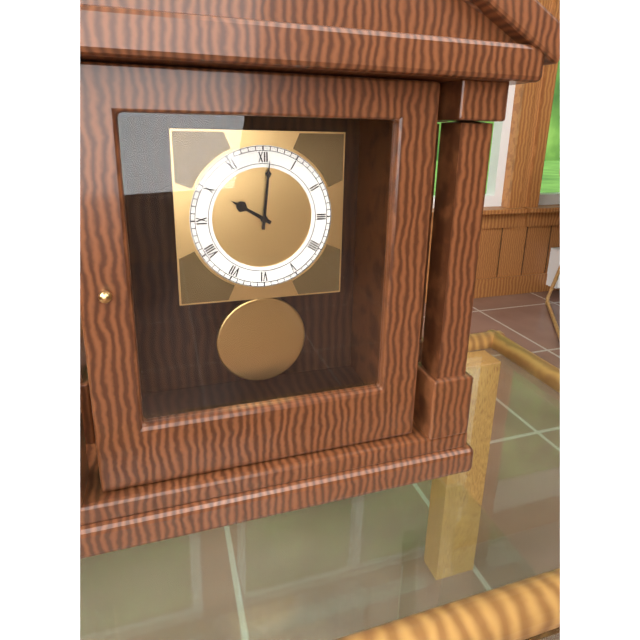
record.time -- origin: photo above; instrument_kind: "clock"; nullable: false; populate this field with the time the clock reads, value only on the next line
10:01
